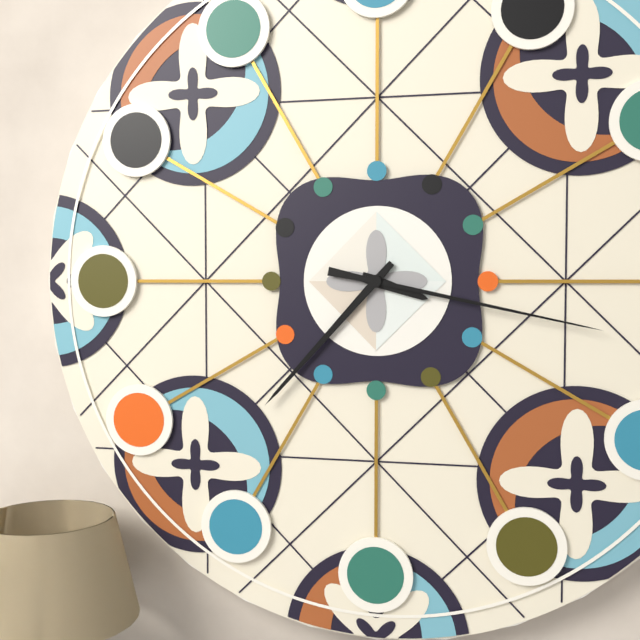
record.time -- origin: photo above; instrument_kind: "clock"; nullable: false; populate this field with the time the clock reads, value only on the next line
3:37:17
